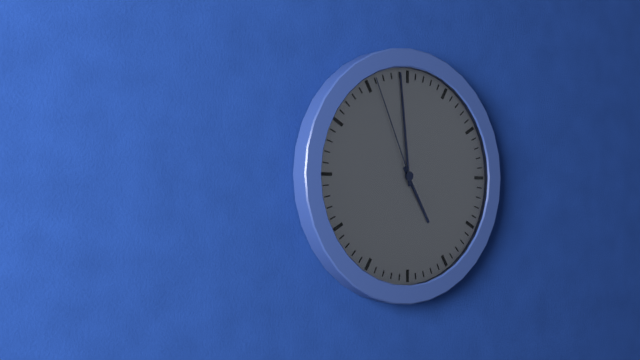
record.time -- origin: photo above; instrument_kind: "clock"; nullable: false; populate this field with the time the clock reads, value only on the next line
4:59:56
